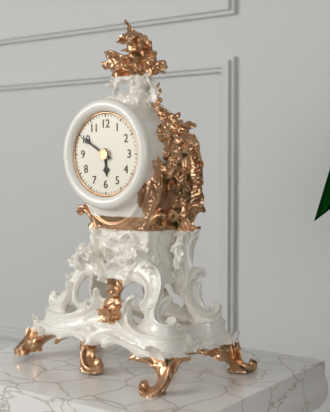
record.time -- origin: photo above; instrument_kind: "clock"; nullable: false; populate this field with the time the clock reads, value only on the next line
5:50
